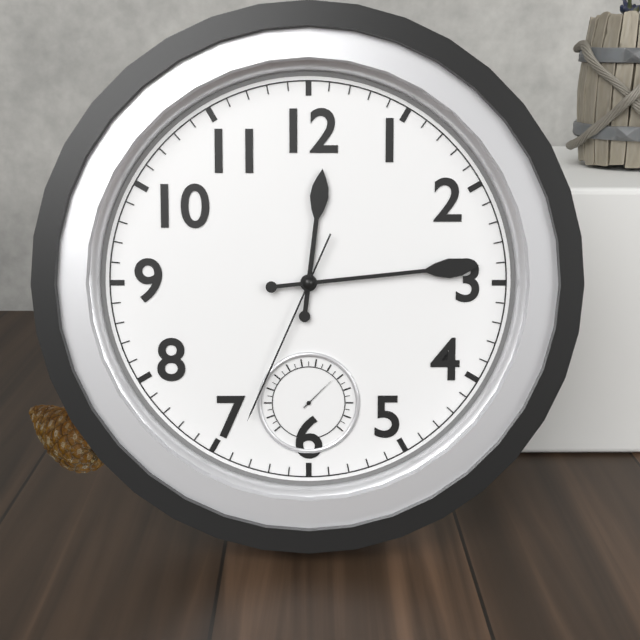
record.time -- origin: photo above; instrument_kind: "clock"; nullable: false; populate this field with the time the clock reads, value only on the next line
12:14:34
